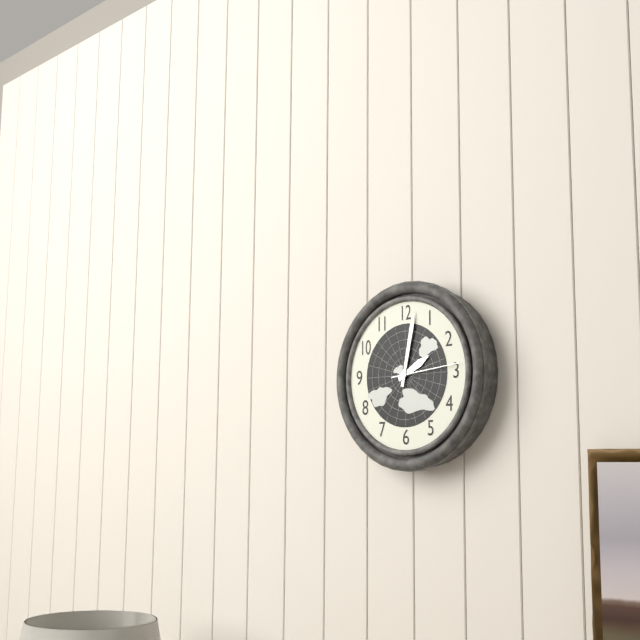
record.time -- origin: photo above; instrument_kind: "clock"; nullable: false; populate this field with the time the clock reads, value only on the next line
2:02:14
